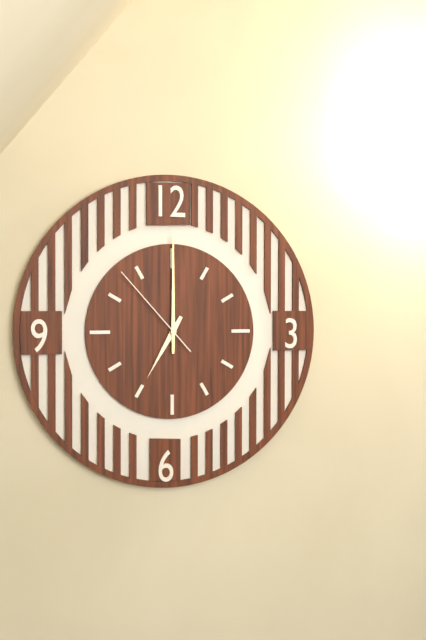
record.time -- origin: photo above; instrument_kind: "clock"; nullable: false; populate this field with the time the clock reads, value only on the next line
7:00:53
